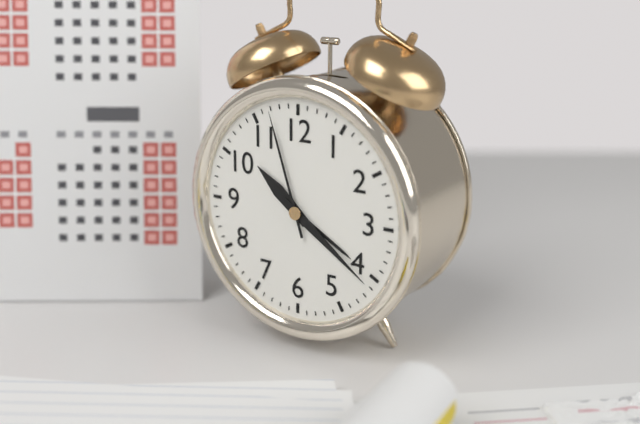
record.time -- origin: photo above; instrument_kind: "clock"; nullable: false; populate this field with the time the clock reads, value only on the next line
10:21:57
